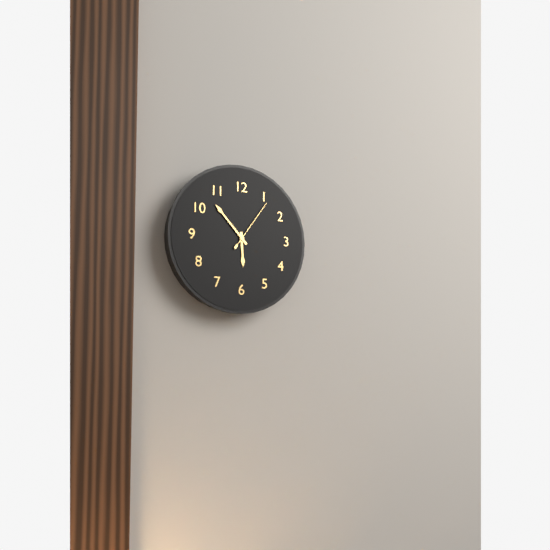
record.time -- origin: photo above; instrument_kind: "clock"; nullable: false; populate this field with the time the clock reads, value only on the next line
5:53:06
